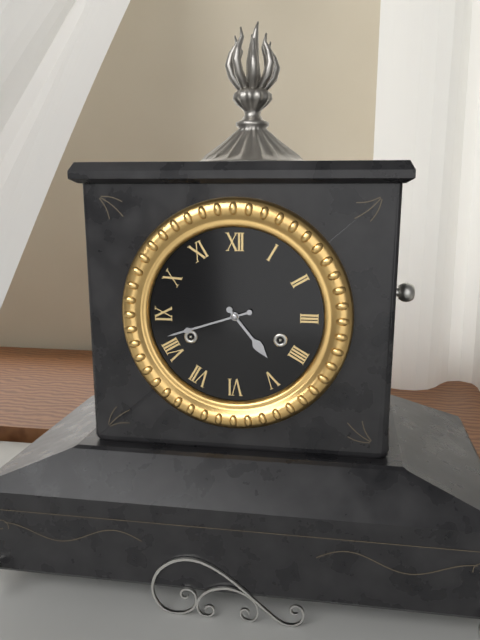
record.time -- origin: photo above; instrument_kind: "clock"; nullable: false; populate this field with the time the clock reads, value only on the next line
4:42
